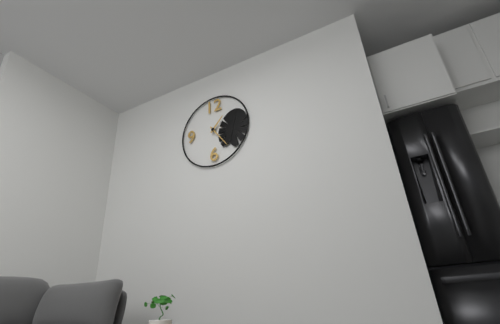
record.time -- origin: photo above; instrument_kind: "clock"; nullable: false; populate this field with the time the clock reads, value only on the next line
1:24
